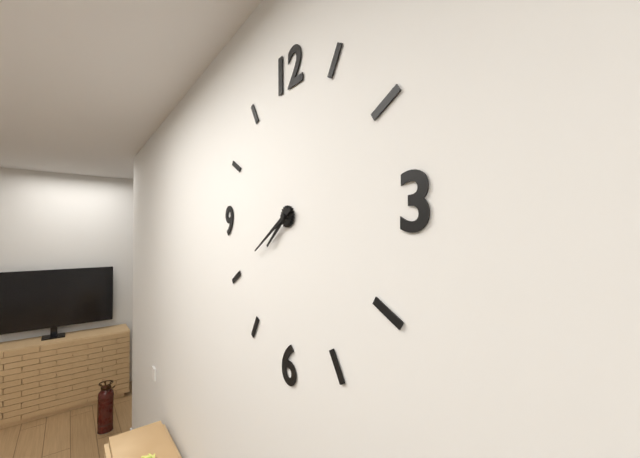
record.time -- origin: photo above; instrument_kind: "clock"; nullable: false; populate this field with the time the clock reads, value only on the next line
7:40
